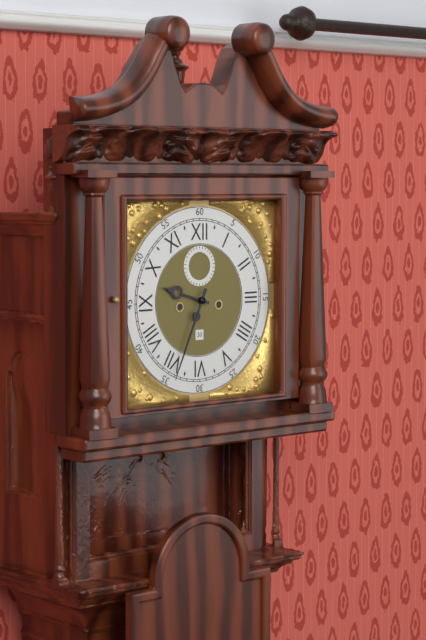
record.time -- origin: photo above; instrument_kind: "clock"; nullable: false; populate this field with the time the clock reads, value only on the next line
9:34
